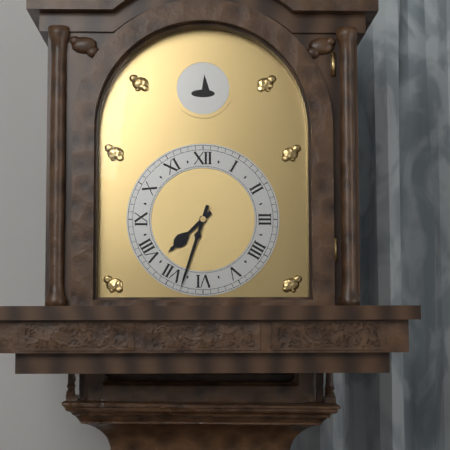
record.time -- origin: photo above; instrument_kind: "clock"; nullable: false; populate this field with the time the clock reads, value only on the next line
7:33
